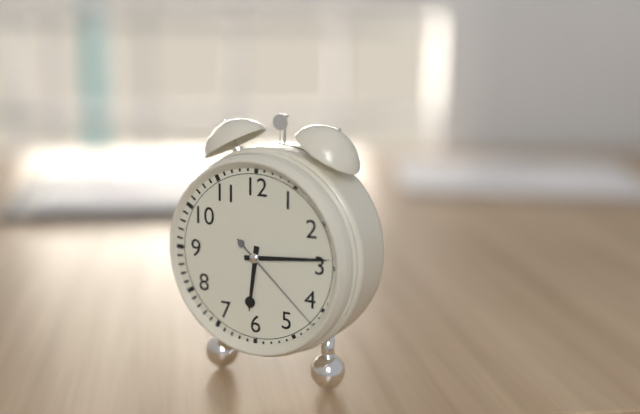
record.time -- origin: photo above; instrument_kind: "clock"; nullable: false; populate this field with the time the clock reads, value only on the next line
6:14:22
